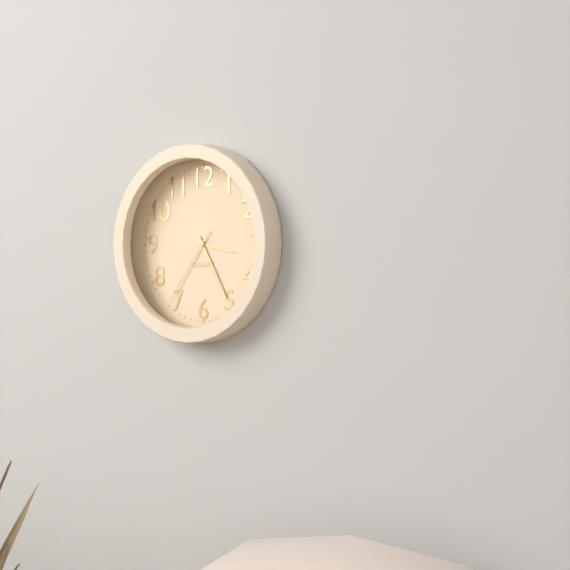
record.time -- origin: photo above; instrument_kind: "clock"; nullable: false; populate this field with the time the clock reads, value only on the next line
3:25:36
